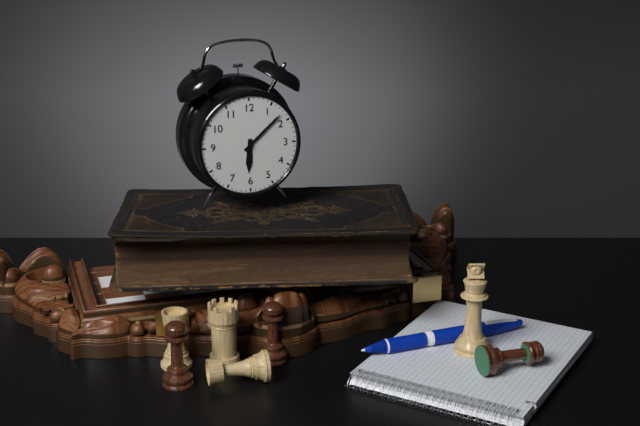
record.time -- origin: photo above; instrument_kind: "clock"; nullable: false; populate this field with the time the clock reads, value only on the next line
6:08
